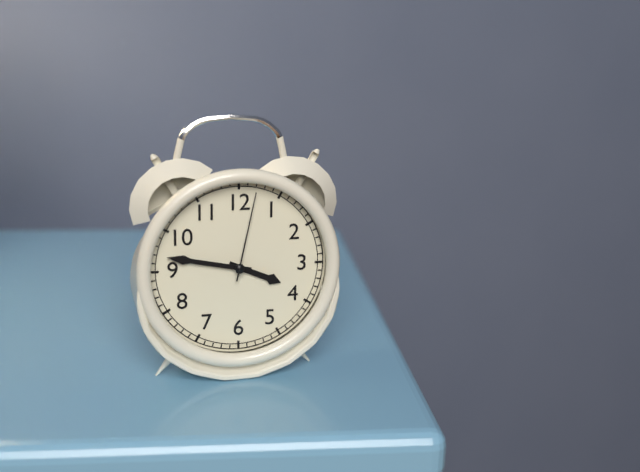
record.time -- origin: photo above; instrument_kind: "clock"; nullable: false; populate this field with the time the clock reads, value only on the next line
3:47:02
